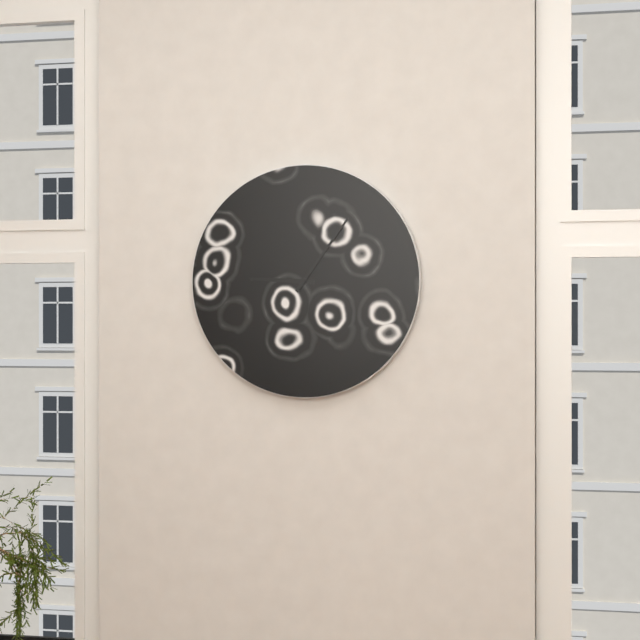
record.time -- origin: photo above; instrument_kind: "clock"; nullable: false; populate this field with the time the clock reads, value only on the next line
9:06
